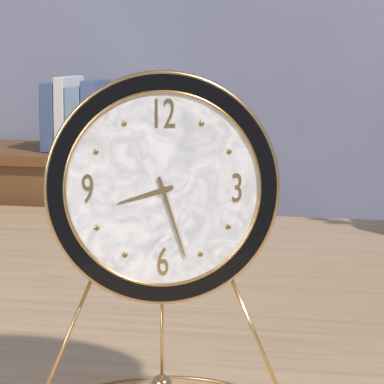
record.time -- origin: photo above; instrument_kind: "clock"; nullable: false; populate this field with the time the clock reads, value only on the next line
8:27
